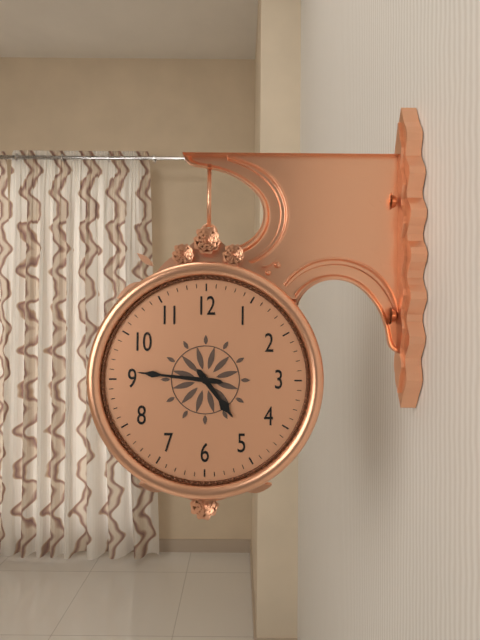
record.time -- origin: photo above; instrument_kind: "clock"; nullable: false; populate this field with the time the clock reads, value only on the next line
4:46
